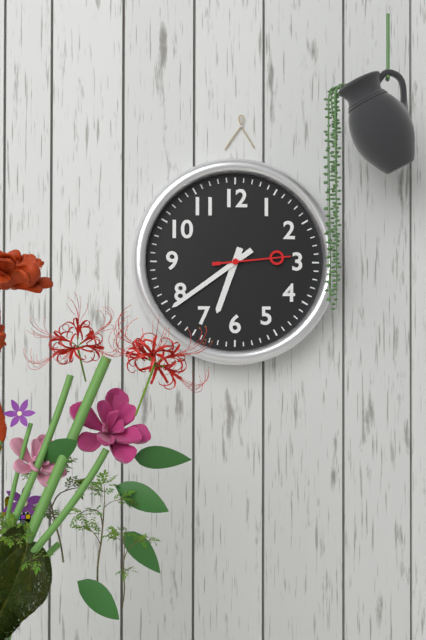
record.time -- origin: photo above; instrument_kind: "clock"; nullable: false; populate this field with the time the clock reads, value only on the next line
6:39:14
